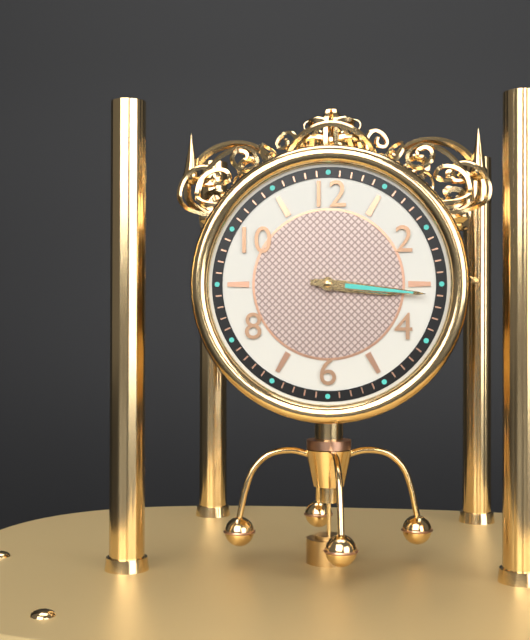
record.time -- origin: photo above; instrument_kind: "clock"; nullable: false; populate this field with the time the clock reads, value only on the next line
3:16
